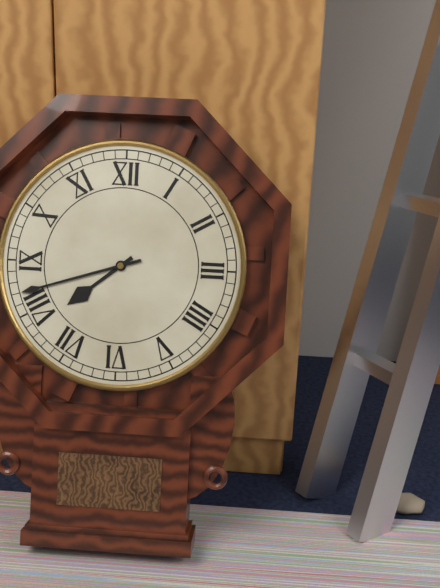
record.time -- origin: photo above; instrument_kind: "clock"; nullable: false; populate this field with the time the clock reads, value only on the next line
7:42
